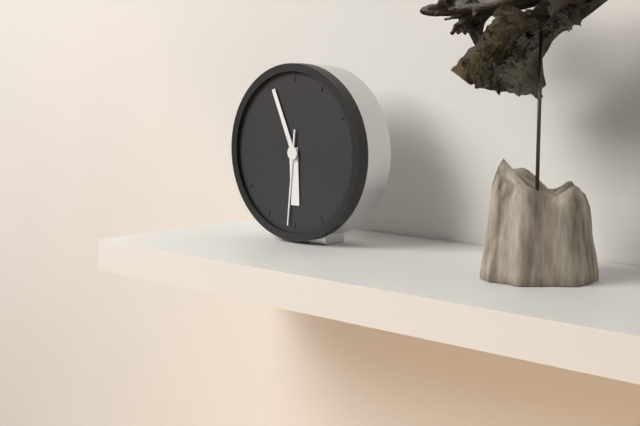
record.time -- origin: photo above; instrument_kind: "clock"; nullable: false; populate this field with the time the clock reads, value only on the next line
5:56:31
